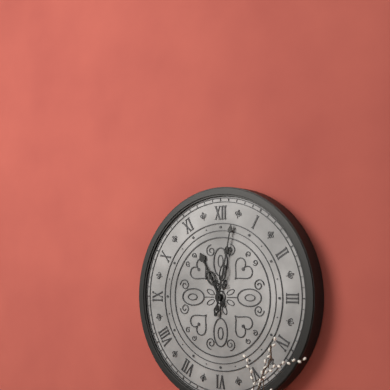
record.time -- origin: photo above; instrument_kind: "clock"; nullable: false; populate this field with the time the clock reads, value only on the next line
11:02
